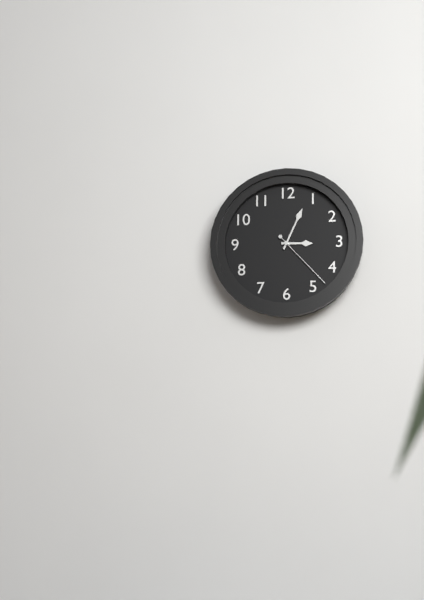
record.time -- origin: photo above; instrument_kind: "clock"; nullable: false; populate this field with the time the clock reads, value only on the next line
3:04:23
